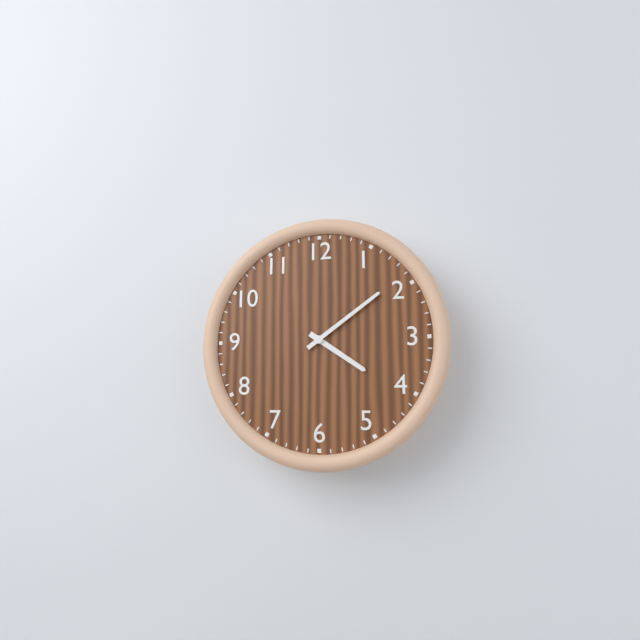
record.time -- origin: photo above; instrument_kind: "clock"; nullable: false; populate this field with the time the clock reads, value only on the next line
4:09
